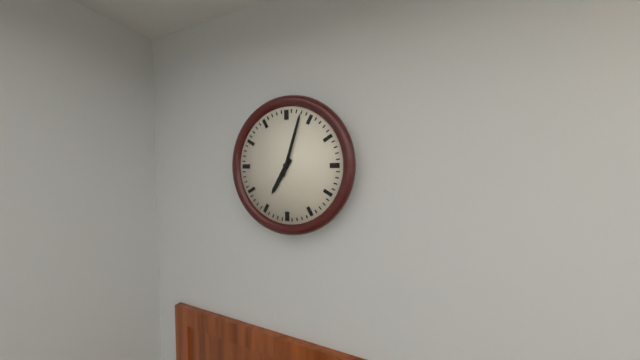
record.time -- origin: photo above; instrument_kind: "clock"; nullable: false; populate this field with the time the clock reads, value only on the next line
7:03
